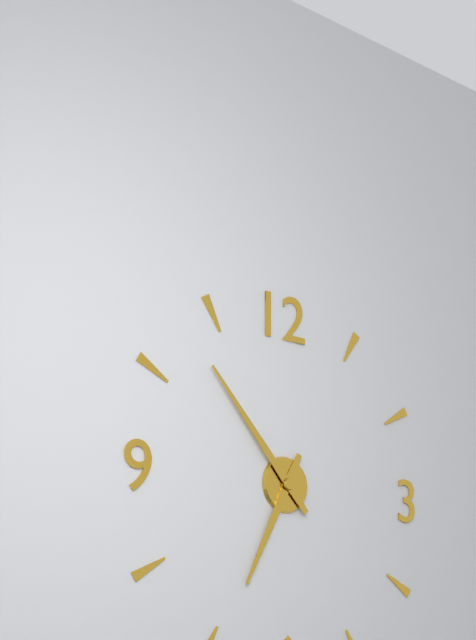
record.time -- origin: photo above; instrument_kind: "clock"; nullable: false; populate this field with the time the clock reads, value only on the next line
6:53
